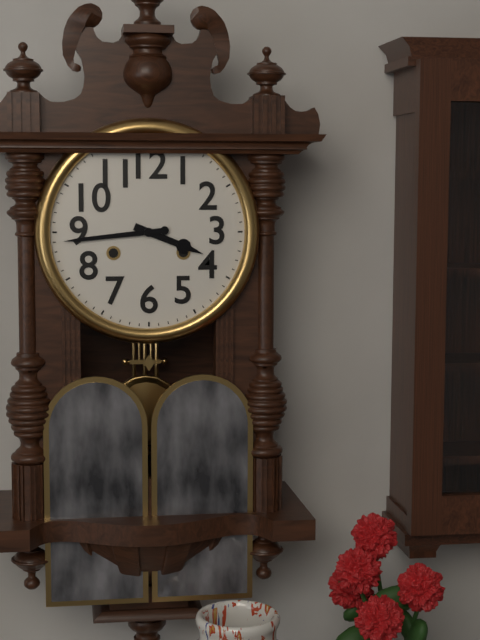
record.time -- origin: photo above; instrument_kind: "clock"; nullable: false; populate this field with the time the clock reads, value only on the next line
3:44
